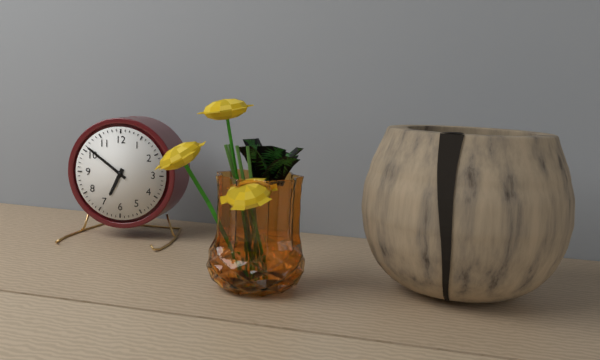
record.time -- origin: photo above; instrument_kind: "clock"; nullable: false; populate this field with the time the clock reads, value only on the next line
6:51
